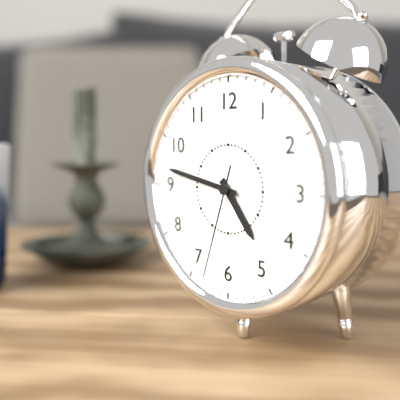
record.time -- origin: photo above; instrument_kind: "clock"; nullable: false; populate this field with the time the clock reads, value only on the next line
4:47:33
